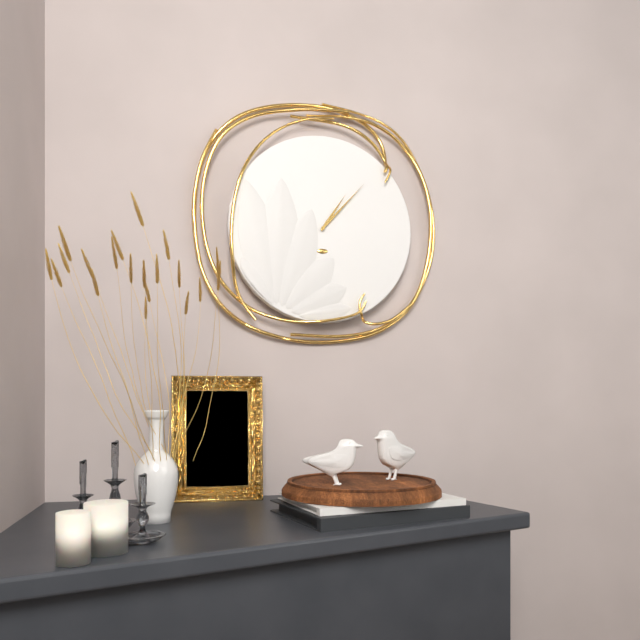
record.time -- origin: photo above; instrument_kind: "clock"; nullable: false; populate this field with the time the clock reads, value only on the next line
1:07
